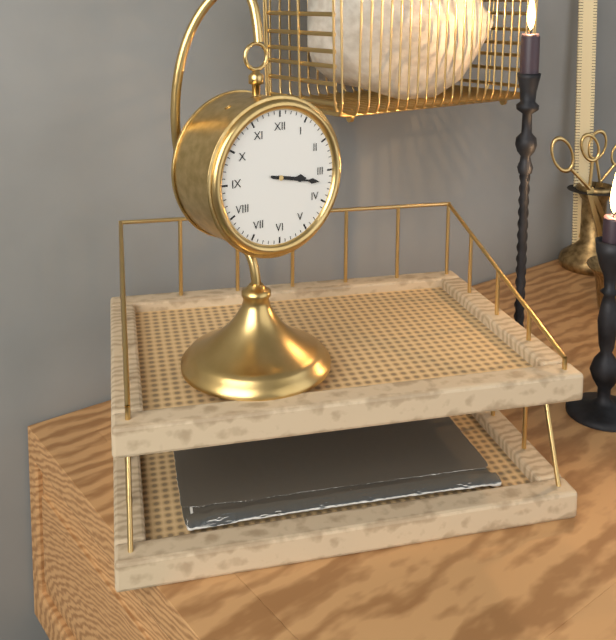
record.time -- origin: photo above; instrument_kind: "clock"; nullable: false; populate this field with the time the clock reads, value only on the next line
3:17
